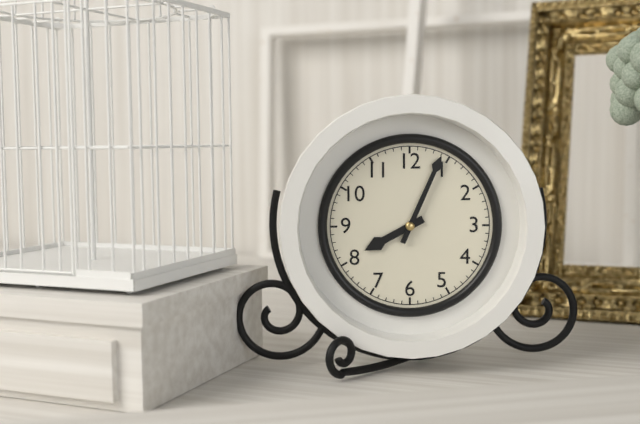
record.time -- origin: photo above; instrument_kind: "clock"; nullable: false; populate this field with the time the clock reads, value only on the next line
8:04
